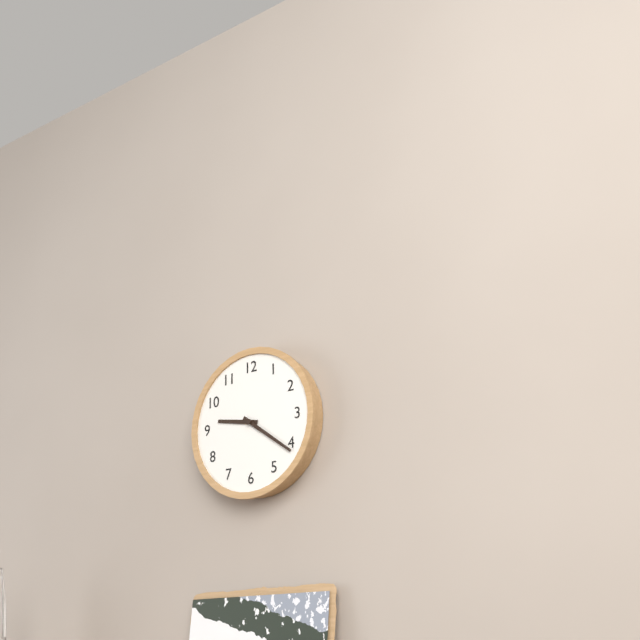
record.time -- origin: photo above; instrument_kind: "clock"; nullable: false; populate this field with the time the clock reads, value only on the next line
9:21
